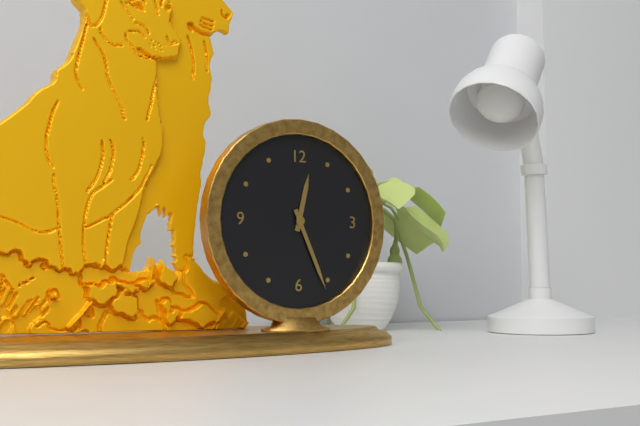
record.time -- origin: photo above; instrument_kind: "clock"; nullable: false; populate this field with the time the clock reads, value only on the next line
12:26
